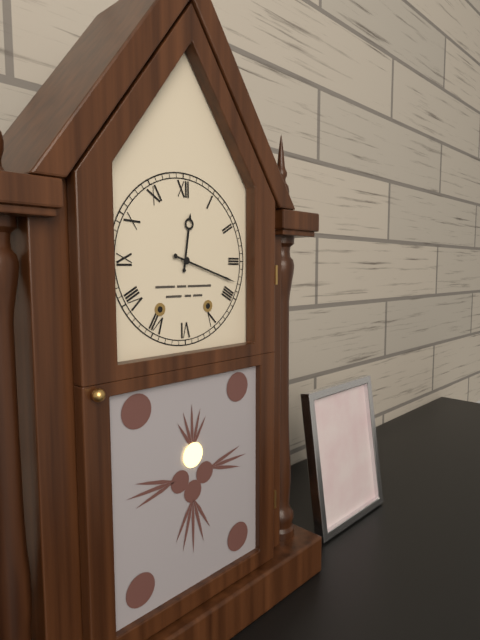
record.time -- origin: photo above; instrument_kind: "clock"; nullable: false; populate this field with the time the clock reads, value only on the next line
12:18
